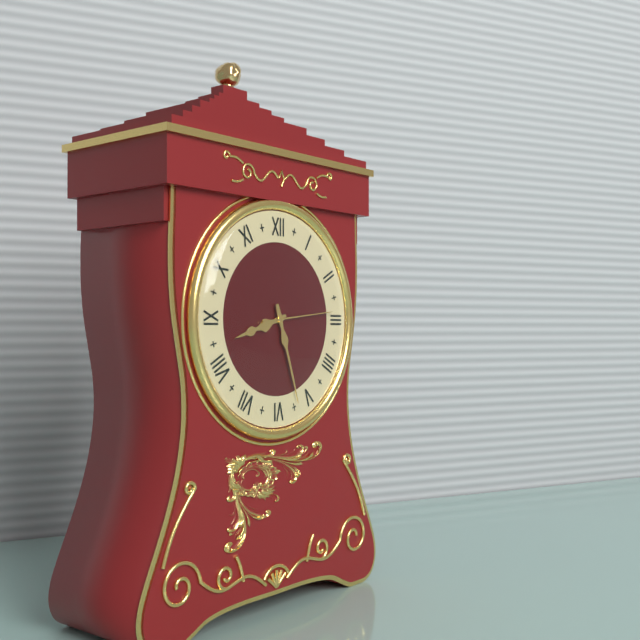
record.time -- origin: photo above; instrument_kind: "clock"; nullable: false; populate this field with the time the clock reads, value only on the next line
8:27:14
